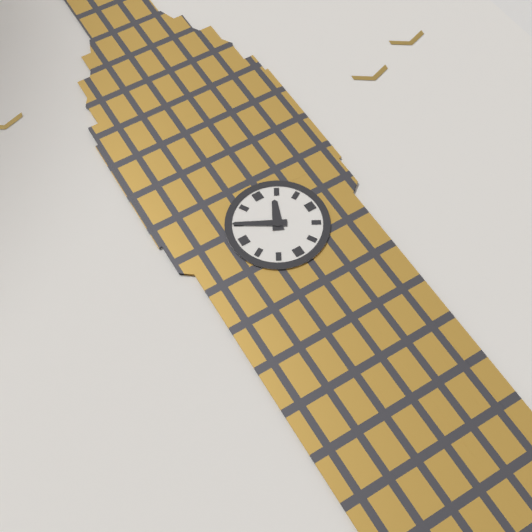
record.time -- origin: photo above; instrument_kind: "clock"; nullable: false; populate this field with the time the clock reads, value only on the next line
12:50
